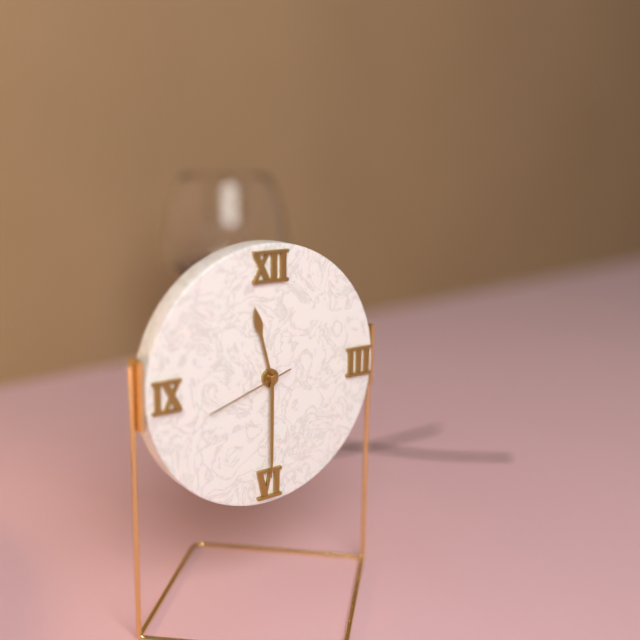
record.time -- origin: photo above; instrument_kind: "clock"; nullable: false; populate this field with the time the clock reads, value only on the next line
11:30:42
